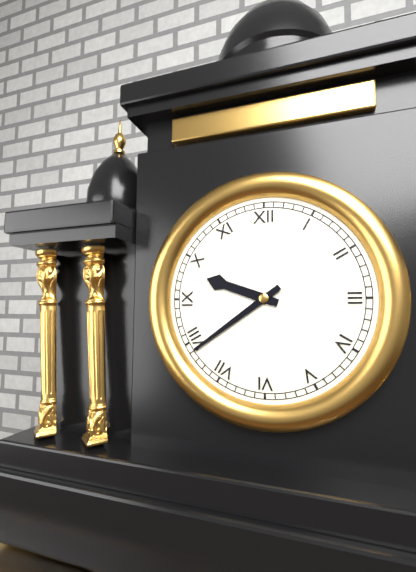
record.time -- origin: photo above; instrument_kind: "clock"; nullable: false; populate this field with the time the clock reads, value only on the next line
9:39
